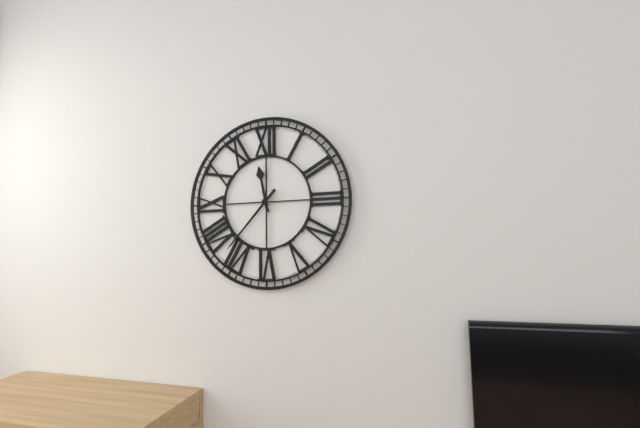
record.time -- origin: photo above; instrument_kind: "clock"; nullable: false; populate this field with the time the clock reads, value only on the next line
11:37
